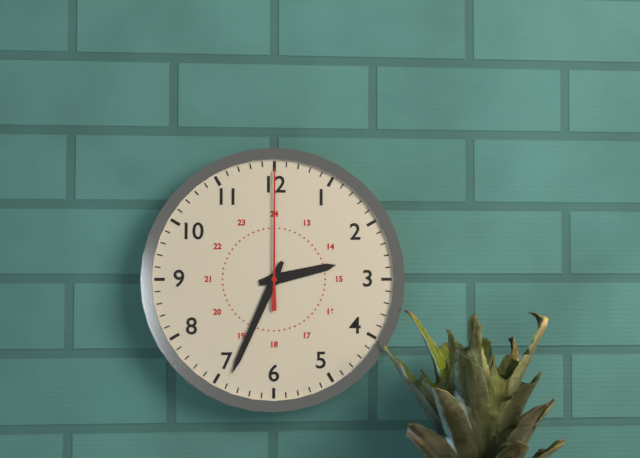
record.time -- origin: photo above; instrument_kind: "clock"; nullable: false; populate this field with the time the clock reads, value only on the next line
2:34:00
